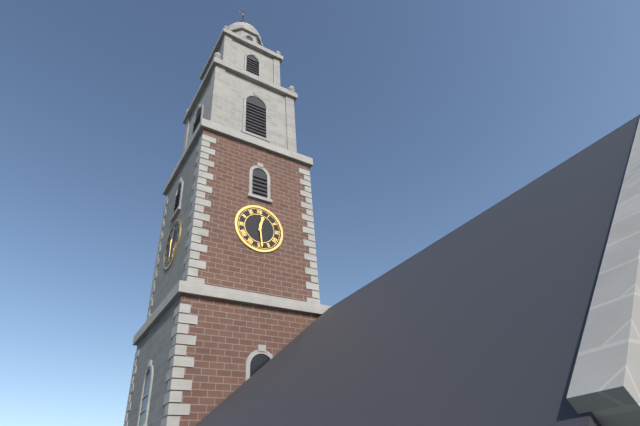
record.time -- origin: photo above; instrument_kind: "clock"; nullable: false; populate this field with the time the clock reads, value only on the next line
12:29
